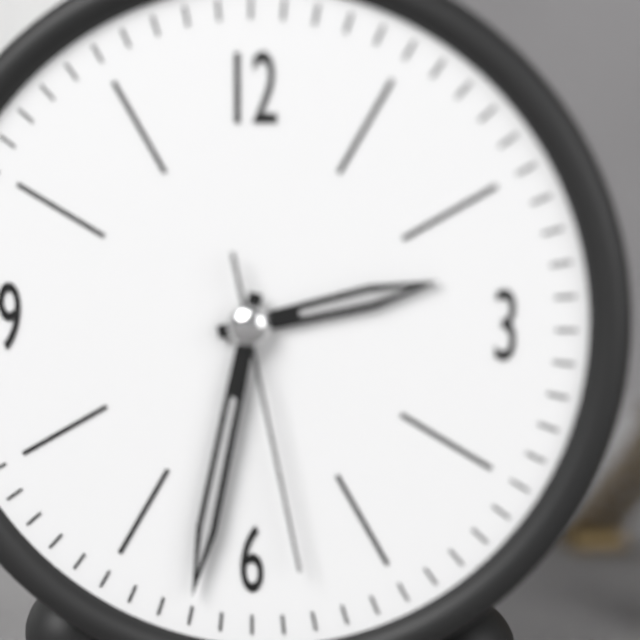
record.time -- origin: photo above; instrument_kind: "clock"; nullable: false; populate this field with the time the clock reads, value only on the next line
2:32:28
